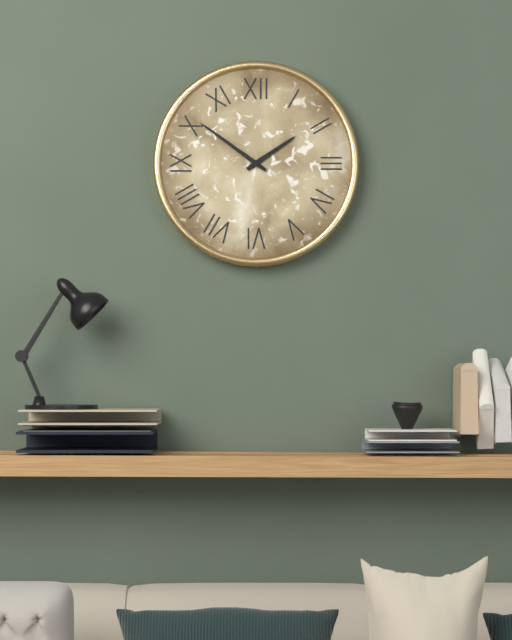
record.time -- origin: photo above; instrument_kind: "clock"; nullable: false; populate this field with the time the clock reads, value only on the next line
1:51
